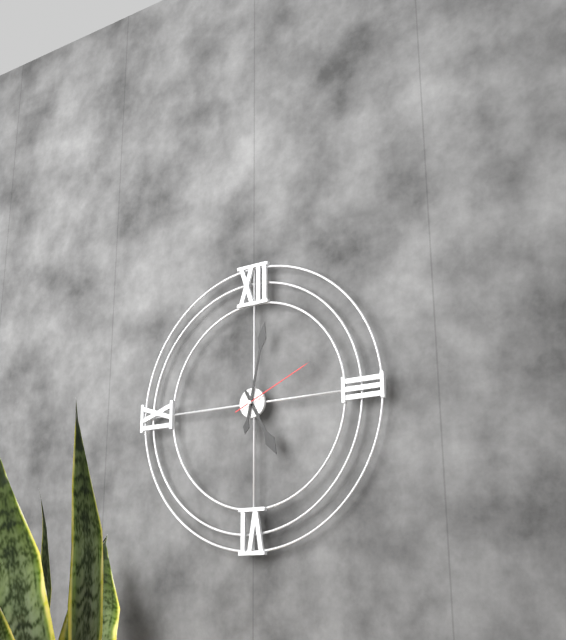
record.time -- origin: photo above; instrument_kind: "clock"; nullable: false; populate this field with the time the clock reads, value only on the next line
5:02:11
